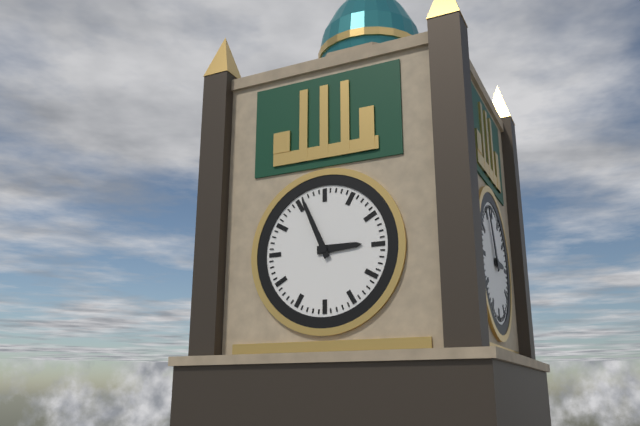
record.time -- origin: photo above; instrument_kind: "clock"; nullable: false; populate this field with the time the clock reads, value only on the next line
2:56
